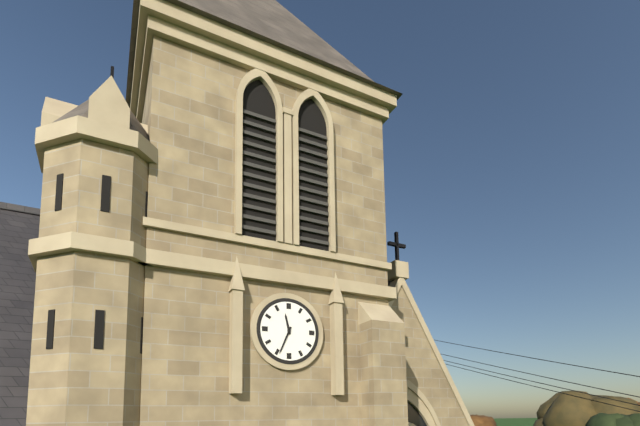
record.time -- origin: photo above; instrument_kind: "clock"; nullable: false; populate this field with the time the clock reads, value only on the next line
11:34
